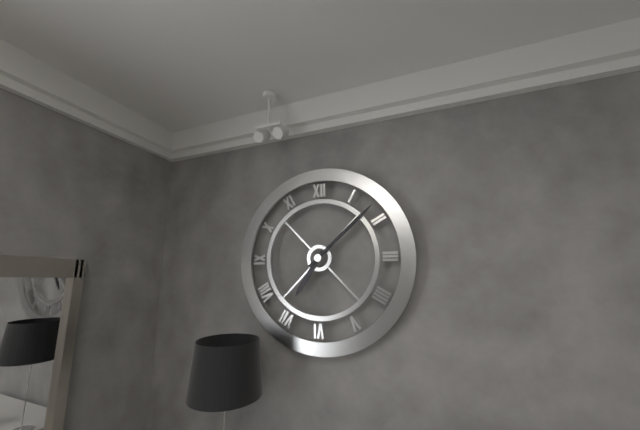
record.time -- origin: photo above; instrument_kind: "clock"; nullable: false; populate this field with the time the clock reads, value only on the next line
7:08
